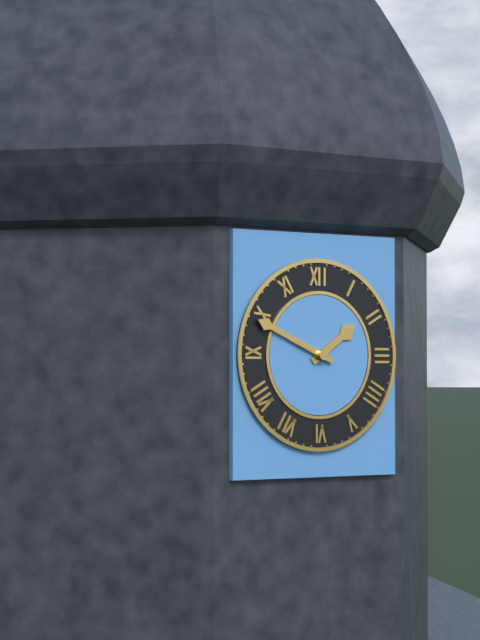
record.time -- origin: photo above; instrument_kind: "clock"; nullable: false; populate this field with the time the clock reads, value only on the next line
1:49
